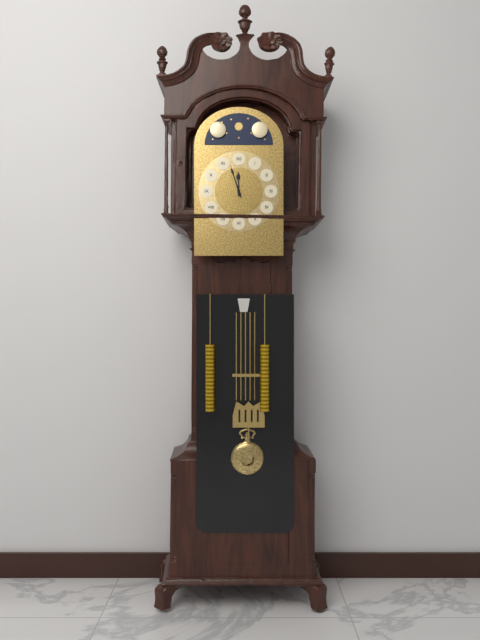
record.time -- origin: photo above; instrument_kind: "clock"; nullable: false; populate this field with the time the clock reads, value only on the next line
11:57
